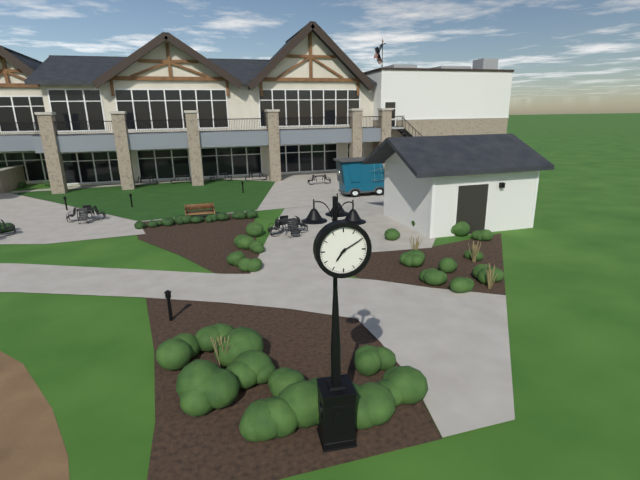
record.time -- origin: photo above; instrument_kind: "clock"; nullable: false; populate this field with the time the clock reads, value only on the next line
7:10
